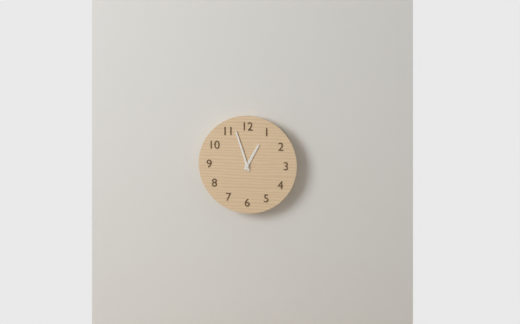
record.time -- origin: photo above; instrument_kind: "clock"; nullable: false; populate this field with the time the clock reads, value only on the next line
12:57
